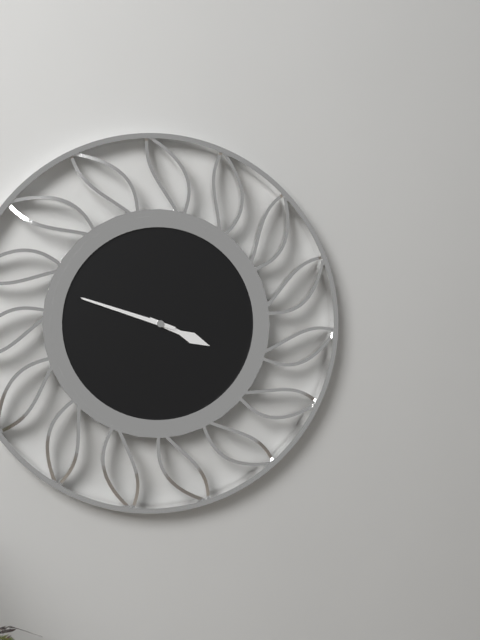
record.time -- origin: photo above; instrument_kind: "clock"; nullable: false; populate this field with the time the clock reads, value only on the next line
3:48
